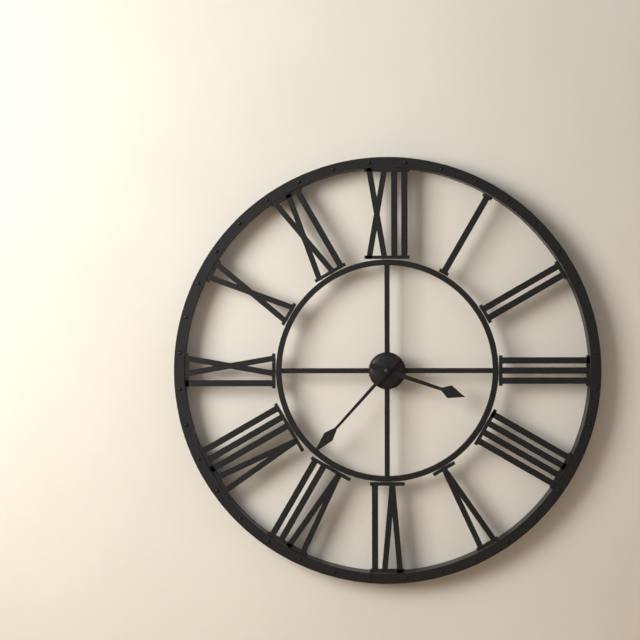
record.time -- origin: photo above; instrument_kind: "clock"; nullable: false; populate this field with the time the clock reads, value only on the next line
3:37
